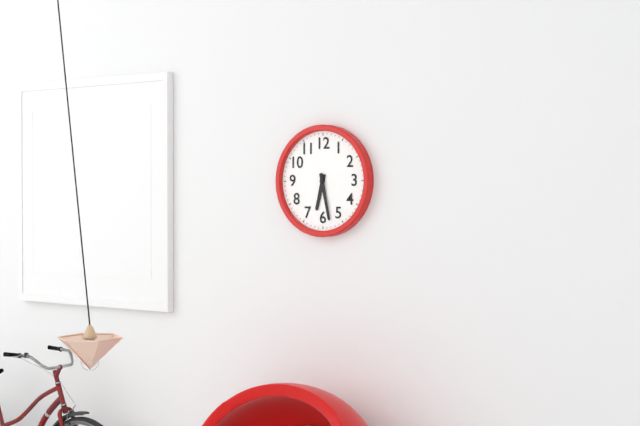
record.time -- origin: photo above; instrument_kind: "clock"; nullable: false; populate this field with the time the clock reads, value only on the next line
6:28
